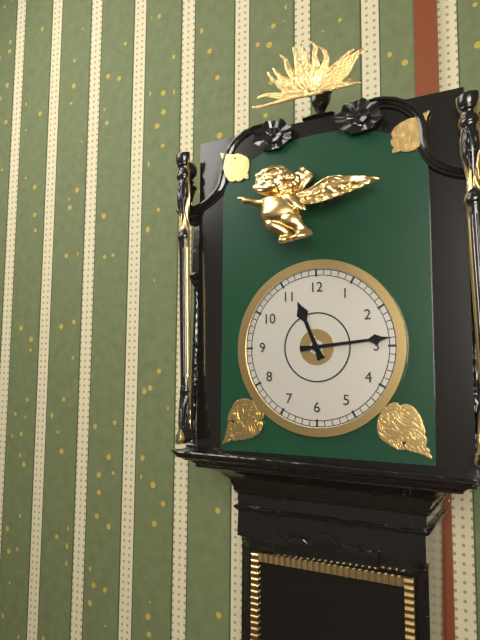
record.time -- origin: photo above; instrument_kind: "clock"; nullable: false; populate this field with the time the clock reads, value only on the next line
11:14
